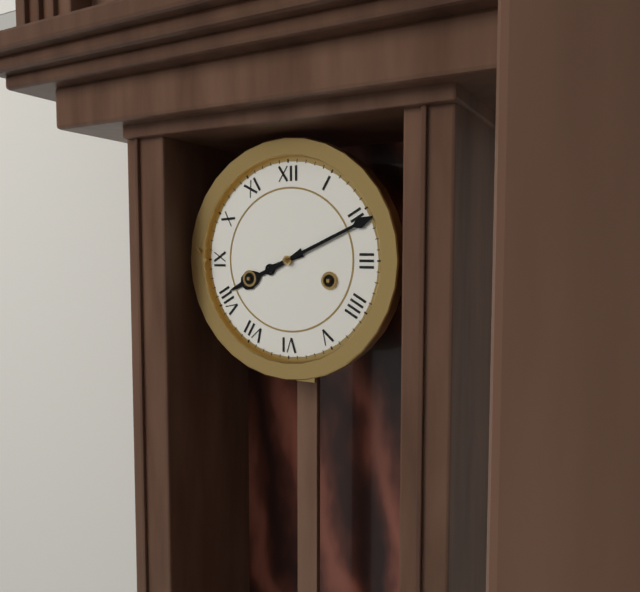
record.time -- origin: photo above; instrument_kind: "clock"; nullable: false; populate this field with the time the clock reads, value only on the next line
8:11
